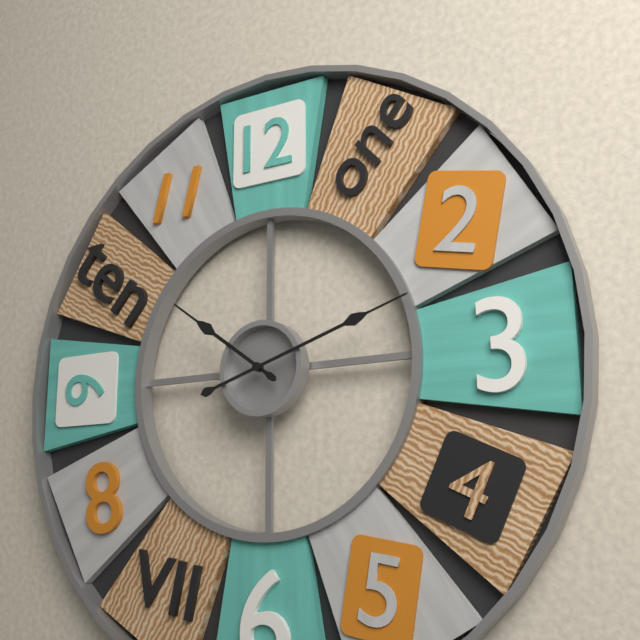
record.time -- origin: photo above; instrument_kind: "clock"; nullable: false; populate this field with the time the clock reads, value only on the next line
10:12
